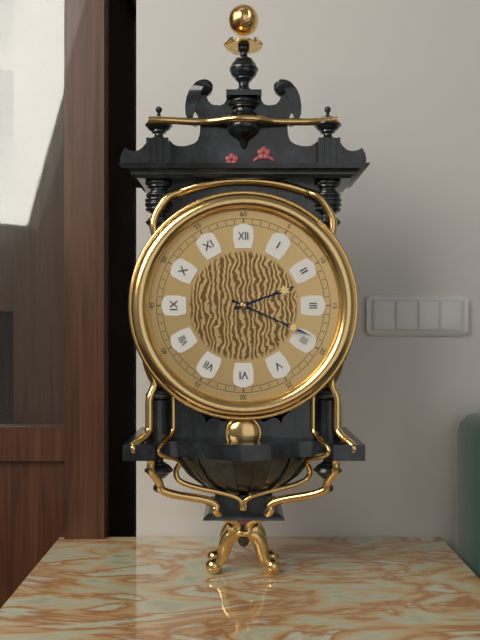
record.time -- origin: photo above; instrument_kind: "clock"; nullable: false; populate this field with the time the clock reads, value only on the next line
2:19
